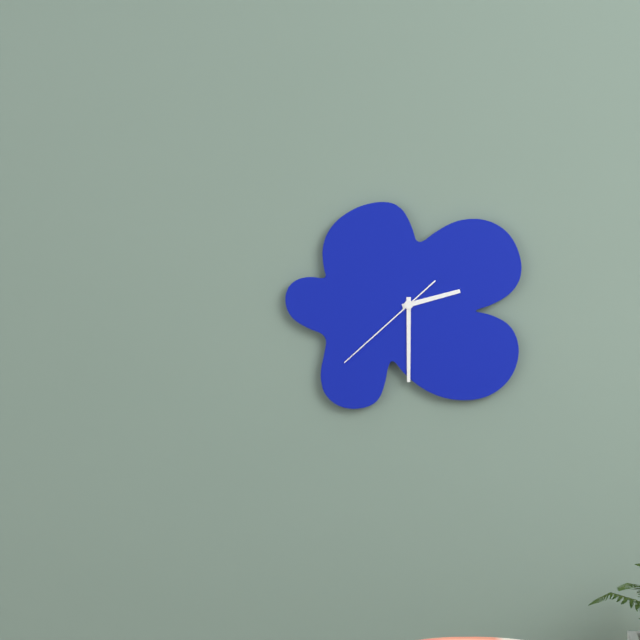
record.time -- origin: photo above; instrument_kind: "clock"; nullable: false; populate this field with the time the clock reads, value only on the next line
2:30:38
